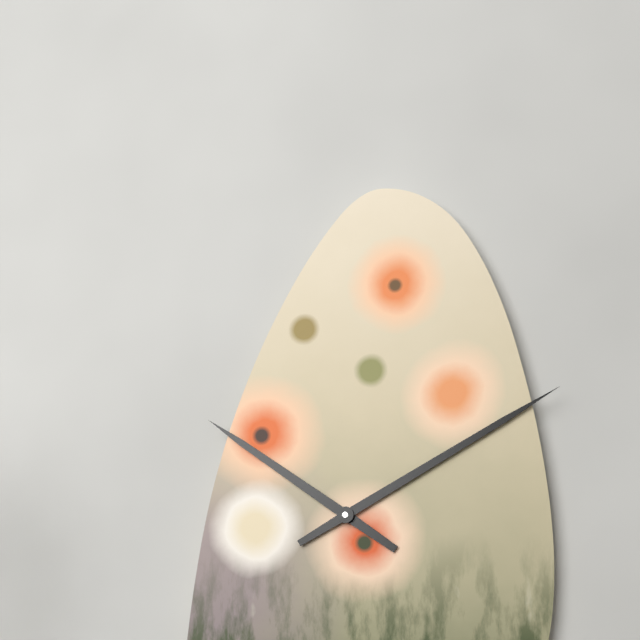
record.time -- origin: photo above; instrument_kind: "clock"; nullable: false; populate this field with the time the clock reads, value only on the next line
10:10
